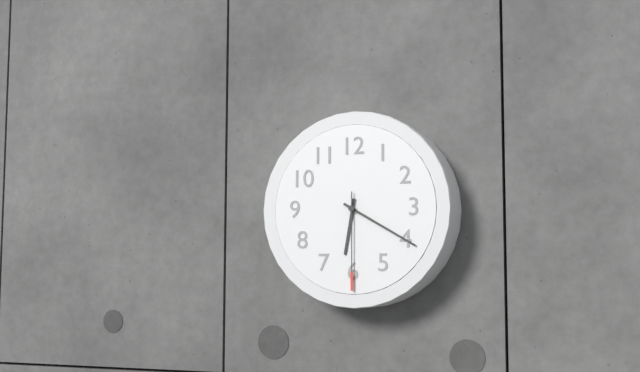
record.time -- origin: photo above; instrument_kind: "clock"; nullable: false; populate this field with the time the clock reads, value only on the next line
6:20:30
